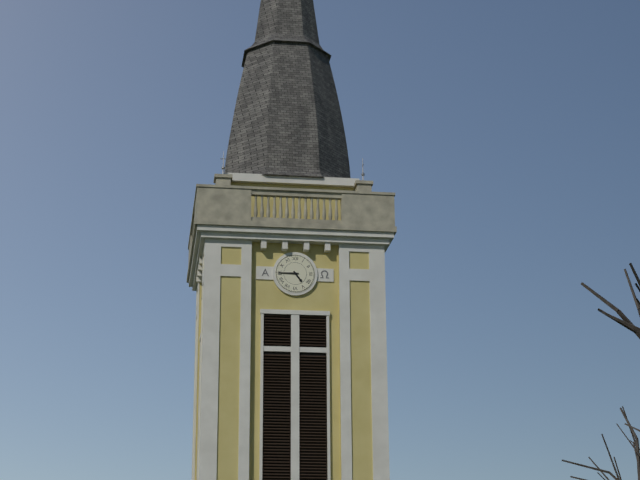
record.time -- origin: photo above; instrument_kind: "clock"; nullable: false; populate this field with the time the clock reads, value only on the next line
4:45
